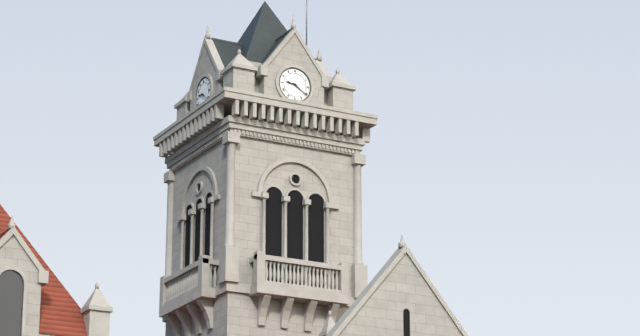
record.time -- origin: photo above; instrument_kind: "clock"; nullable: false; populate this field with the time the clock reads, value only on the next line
9:21
